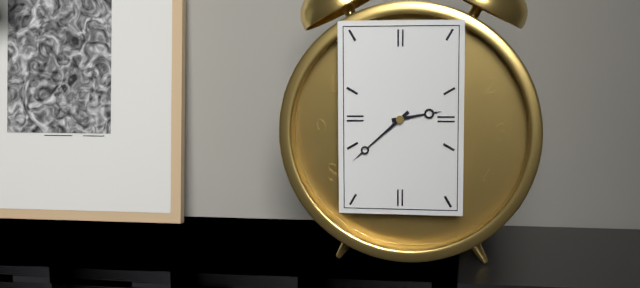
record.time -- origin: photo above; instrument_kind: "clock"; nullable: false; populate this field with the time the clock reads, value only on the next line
2:38
